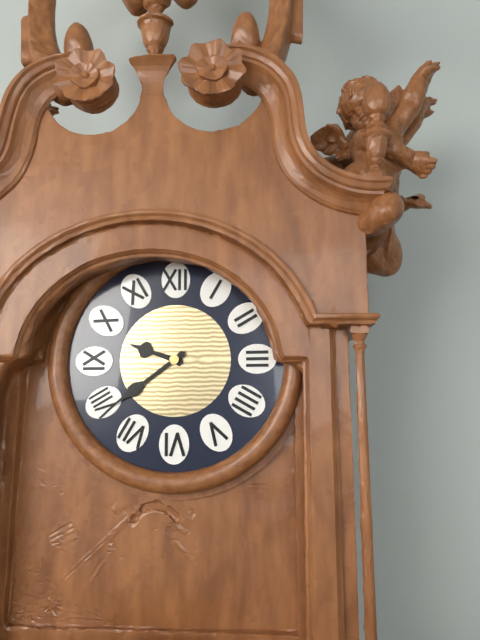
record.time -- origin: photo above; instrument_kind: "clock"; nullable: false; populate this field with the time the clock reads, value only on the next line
9:39
